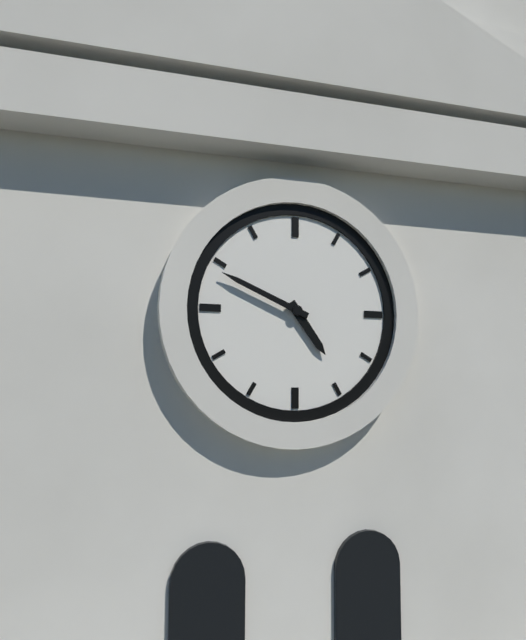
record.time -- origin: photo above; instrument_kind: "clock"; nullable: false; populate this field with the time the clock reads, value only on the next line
4:49
